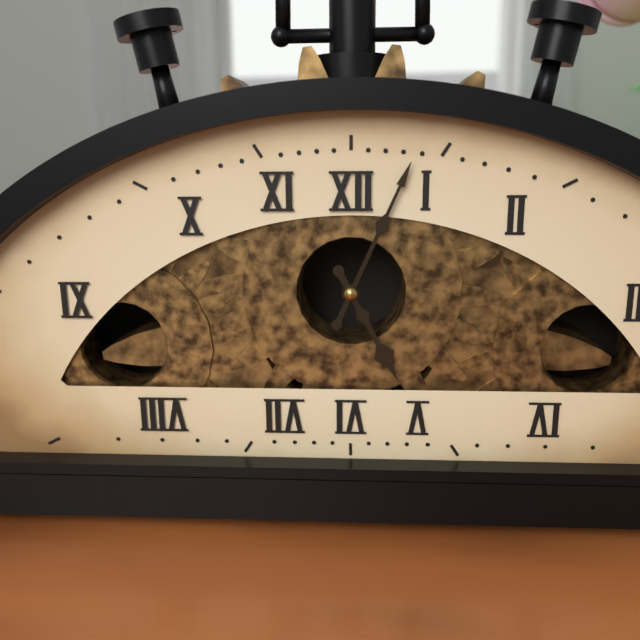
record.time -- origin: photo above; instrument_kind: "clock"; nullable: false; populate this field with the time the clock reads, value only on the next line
5:04
